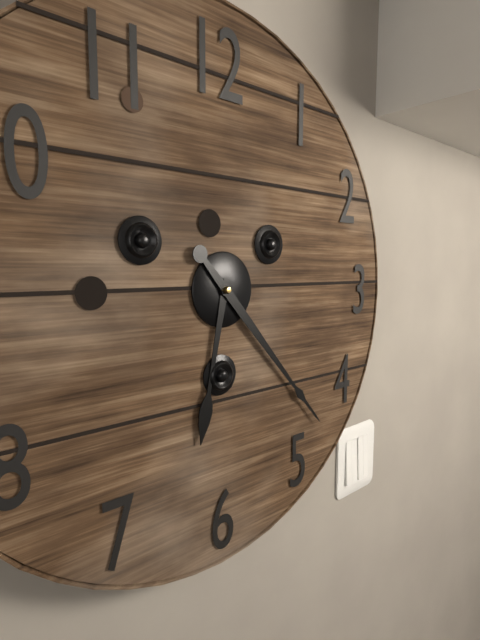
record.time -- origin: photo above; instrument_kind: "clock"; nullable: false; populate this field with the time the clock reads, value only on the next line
6:23
